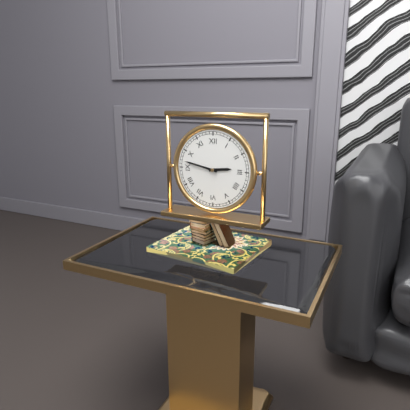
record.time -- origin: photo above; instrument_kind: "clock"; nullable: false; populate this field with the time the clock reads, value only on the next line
2:47
